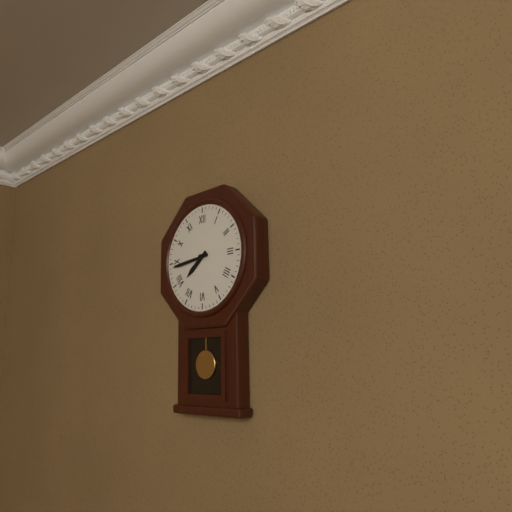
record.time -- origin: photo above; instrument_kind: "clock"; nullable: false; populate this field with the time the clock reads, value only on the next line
7:44
